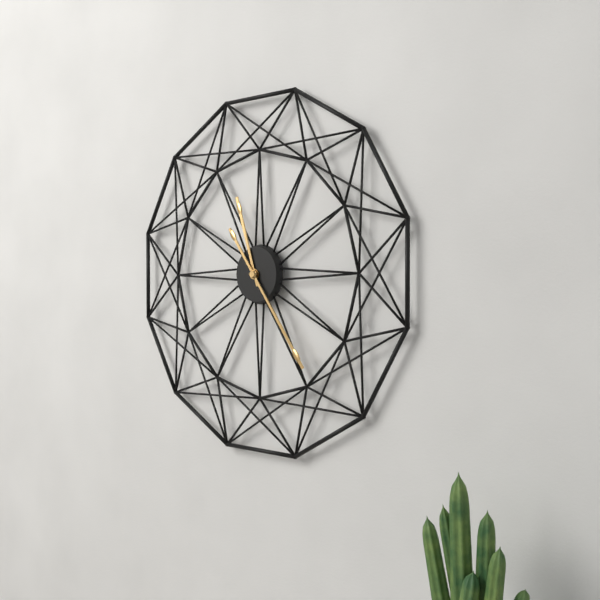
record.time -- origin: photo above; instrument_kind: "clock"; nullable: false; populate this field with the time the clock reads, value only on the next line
11:24
